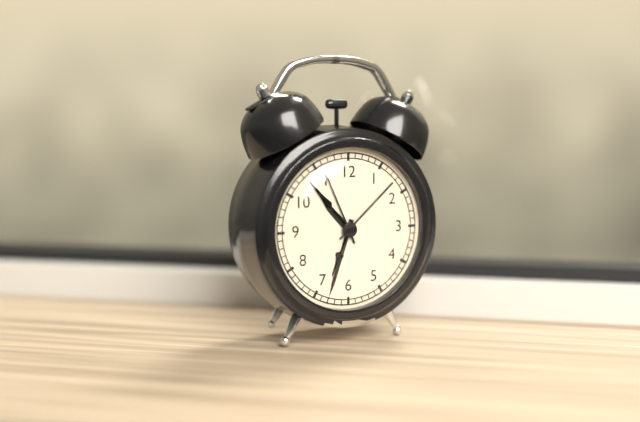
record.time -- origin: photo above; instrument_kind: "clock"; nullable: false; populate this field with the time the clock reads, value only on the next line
10:33:56
